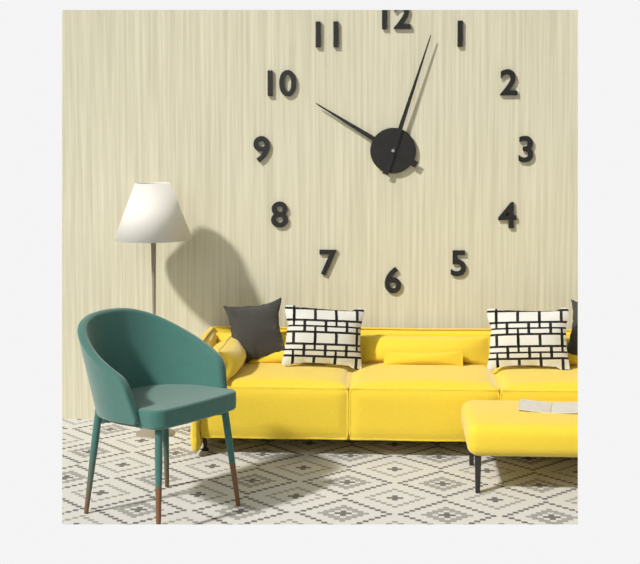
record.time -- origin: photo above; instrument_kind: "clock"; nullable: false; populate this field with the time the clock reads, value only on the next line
10:03
